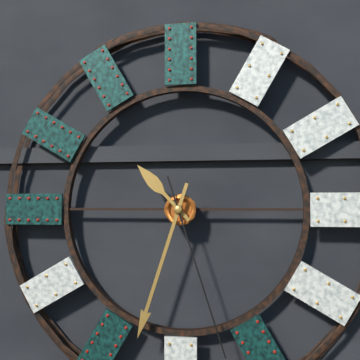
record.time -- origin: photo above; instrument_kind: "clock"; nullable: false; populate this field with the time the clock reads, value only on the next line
10:33:27
